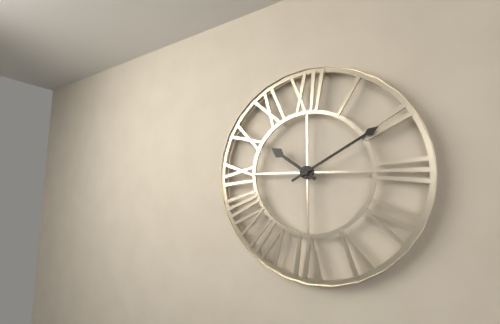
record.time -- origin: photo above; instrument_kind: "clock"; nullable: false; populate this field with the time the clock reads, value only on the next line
10:10
